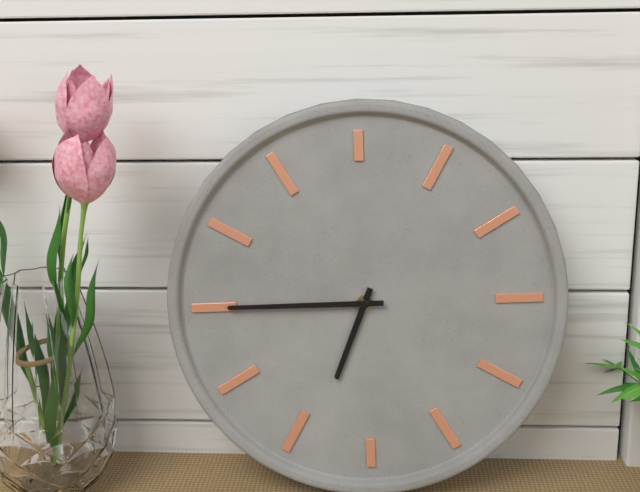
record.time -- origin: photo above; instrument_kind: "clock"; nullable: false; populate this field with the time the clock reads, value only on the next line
6:45
